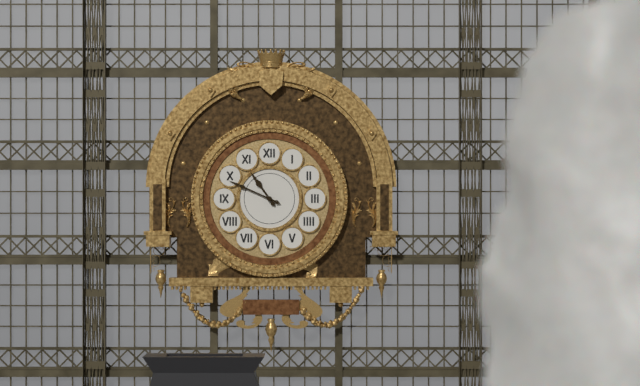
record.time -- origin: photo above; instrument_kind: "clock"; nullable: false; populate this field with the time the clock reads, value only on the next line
10:49
